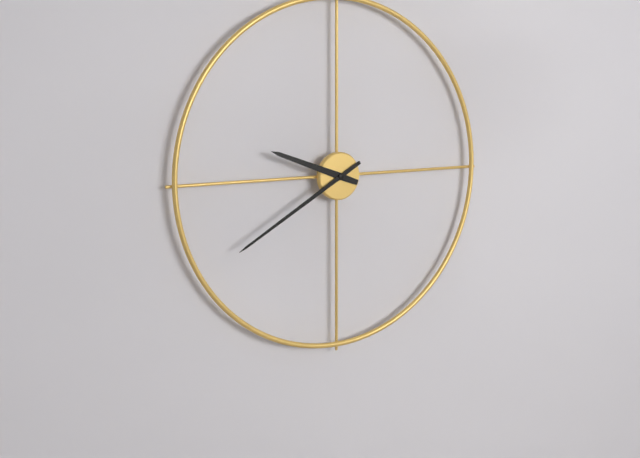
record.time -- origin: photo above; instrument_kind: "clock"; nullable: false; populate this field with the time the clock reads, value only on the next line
9:40
